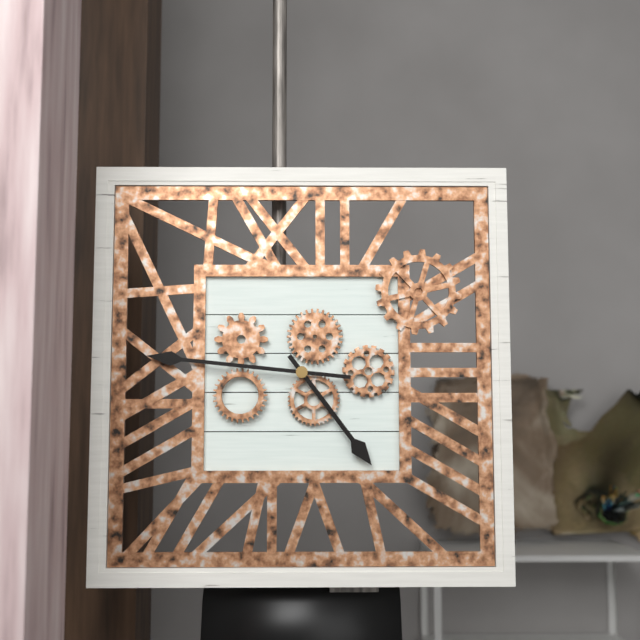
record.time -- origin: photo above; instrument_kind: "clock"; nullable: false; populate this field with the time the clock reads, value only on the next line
4:46
